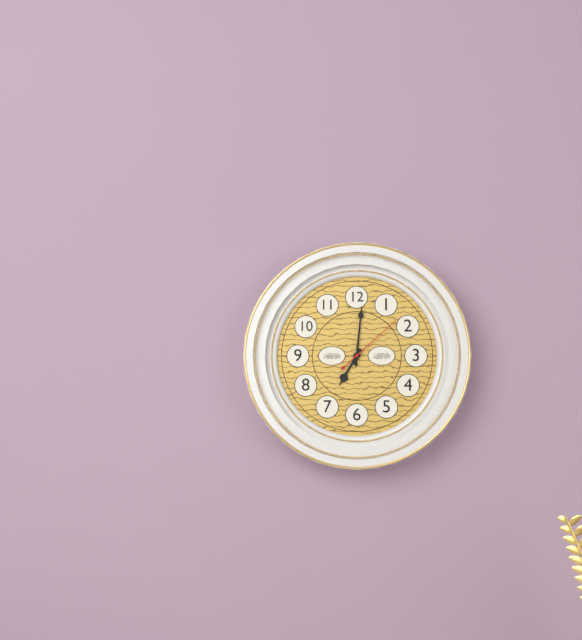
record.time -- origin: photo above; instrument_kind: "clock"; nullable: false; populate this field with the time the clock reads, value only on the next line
7:01:08
